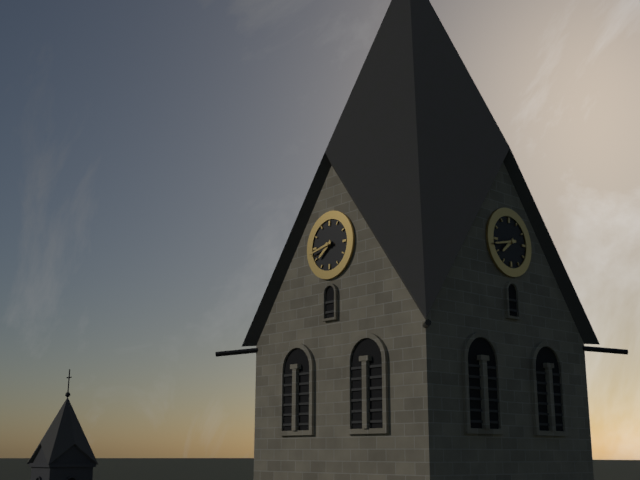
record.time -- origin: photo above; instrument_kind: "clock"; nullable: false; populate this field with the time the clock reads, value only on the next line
7:43
